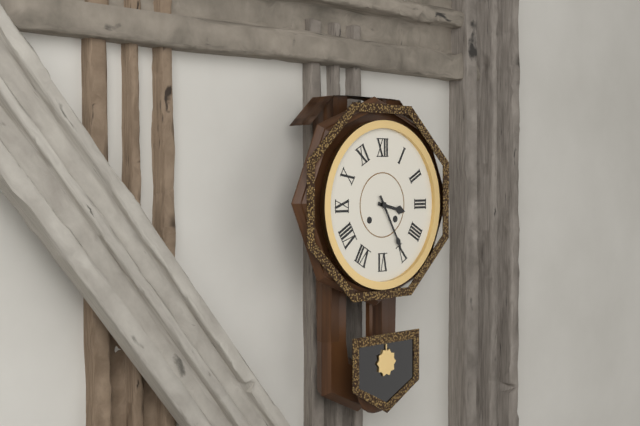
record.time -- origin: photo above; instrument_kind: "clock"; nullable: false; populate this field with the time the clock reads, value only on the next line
3:25
